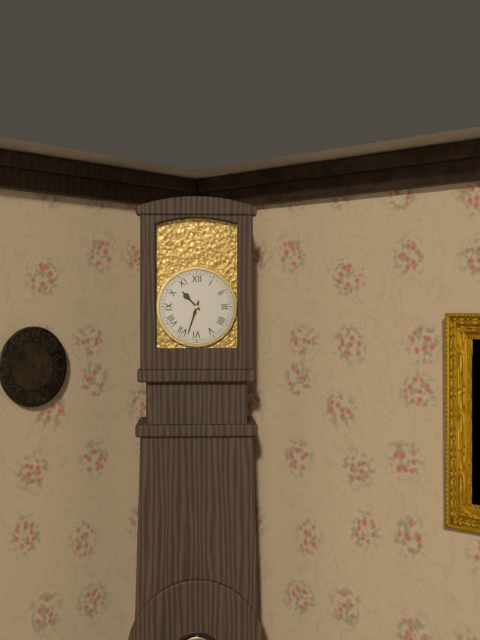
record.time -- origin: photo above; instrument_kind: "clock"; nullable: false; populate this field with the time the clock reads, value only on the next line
10:33
